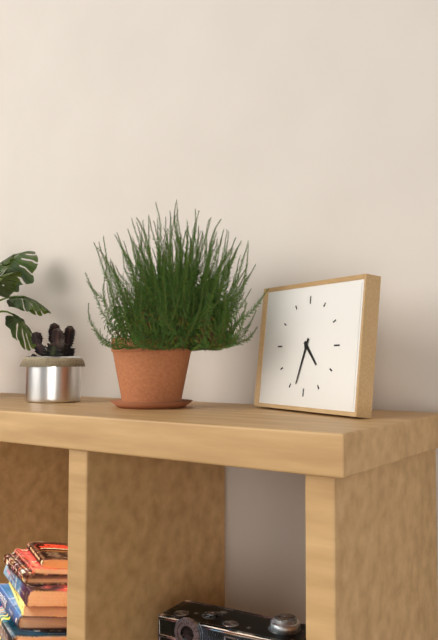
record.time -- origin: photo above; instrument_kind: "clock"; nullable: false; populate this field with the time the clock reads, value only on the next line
4:33
